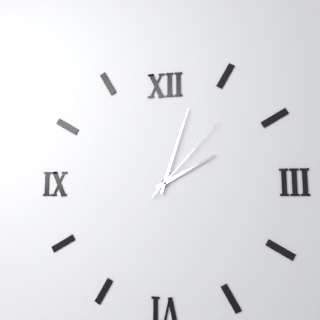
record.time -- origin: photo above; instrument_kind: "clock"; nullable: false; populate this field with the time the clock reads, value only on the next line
2:03:07
